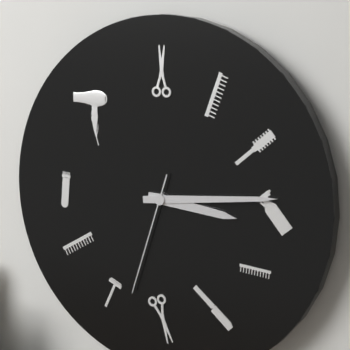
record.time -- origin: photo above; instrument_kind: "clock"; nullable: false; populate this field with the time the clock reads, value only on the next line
3:14:33
